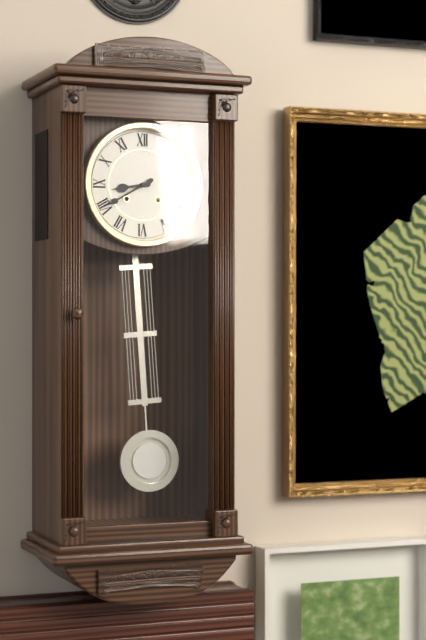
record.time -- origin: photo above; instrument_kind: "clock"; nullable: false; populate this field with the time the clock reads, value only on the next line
8:40
